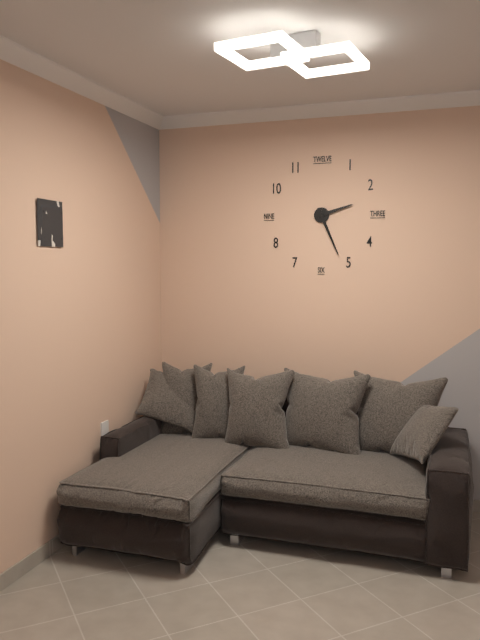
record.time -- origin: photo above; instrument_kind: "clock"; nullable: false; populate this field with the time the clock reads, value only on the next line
2:26
